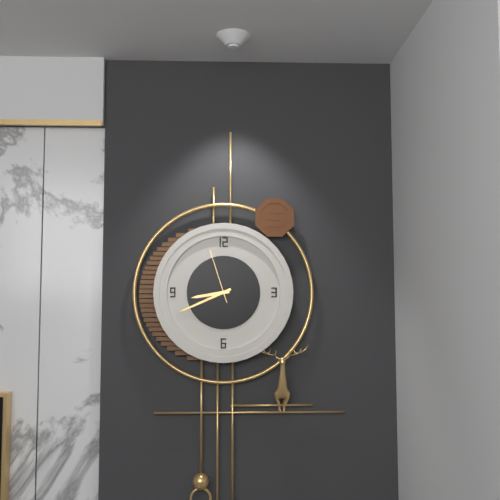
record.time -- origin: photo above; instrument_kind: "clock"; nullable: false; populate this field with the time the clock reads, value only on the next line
8:41:57
